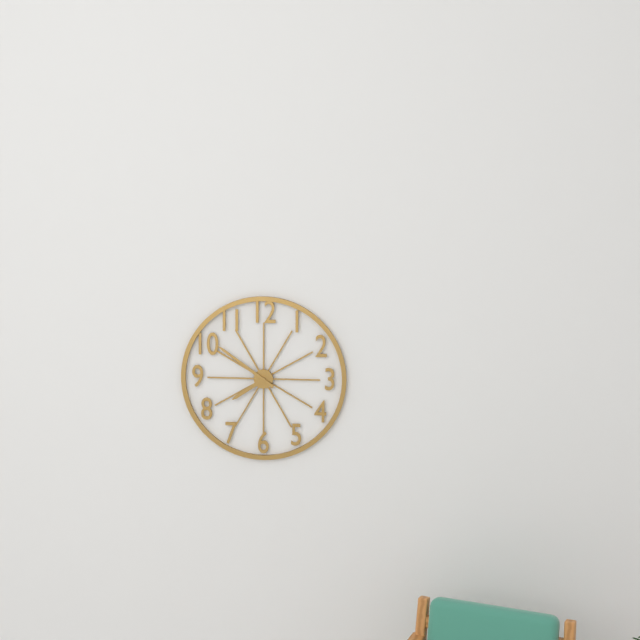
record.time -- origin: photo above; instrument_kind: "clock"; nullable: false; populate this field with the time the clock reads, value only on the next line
7:51
